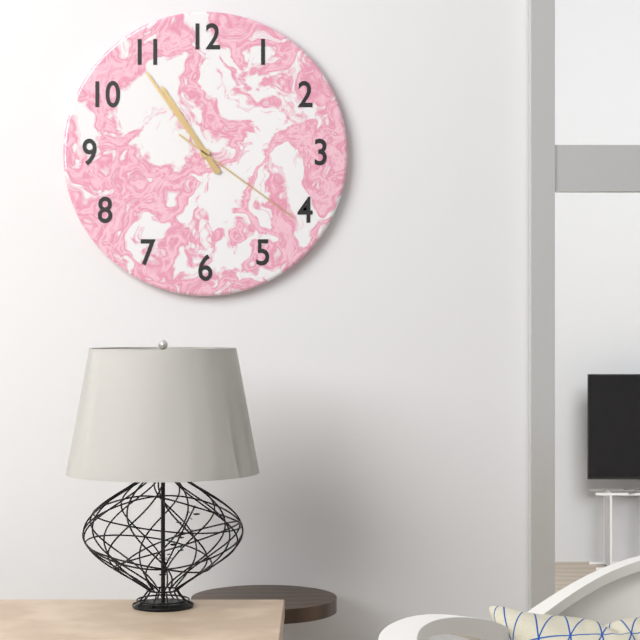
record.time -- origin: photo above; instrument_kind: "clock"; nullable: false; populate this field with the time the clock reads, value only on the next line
10:54:21
